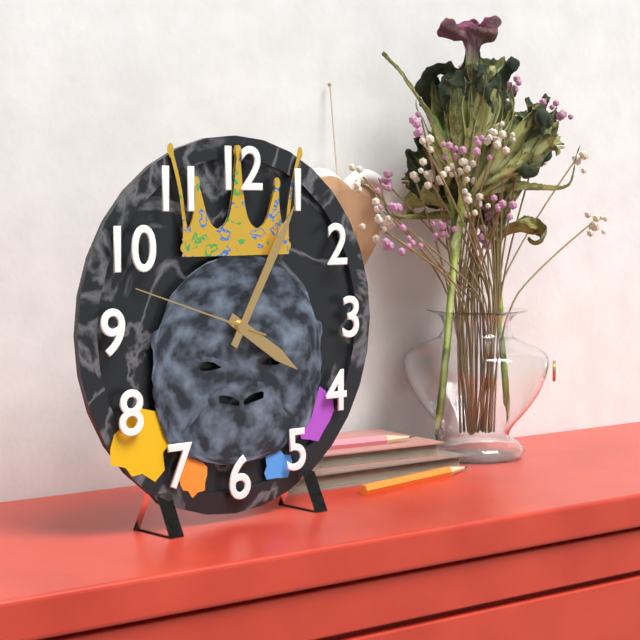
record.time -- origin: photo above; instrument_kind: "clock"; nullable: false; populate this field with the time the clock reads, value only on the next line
4:05:48
